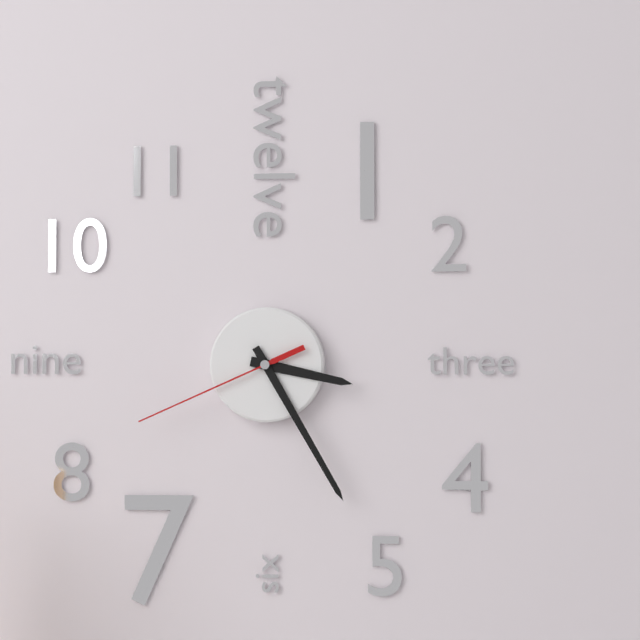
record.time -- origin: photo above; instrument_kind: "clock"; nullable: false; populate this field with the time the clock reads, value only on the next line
3:25:41
